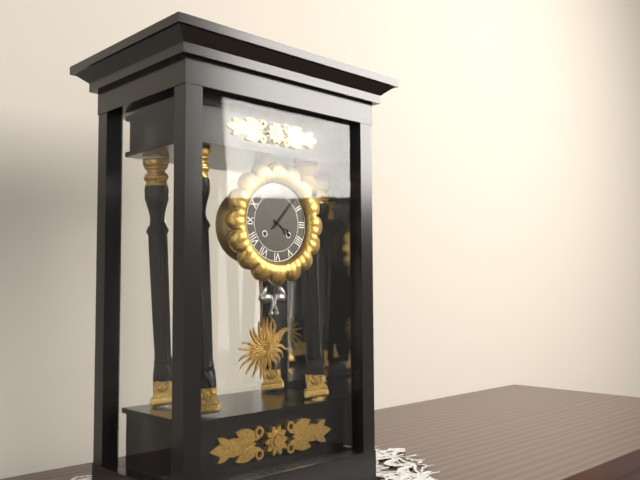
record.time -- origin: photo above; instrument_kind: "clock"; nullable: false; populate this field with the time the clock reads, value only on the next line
4:07
